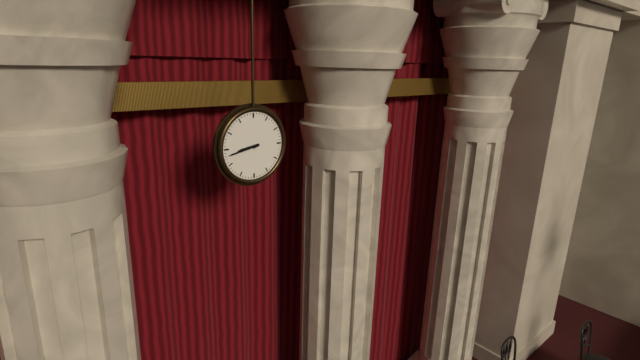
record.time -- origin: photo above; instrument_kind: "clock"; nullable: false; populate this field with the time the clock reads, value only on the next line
8:43
